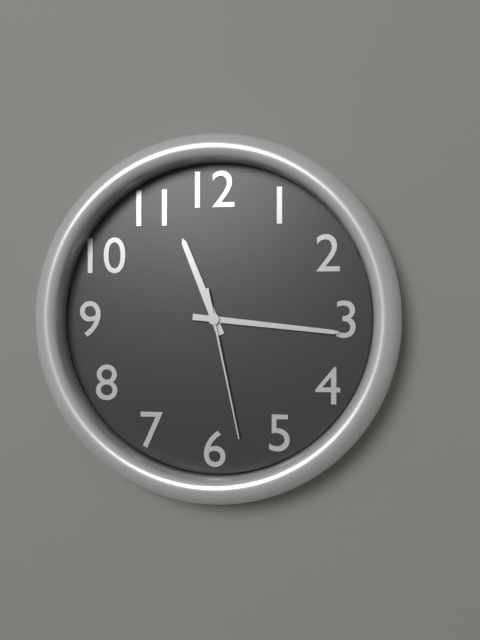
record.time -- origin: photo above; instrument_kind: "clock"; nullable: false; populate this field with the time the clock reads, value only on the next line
11:16:28
